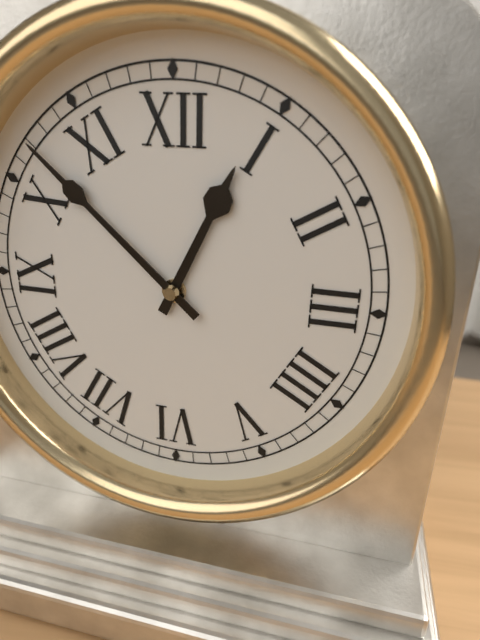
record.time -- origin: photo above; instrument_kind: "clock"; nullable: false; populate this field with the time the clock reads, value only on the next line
12:52
